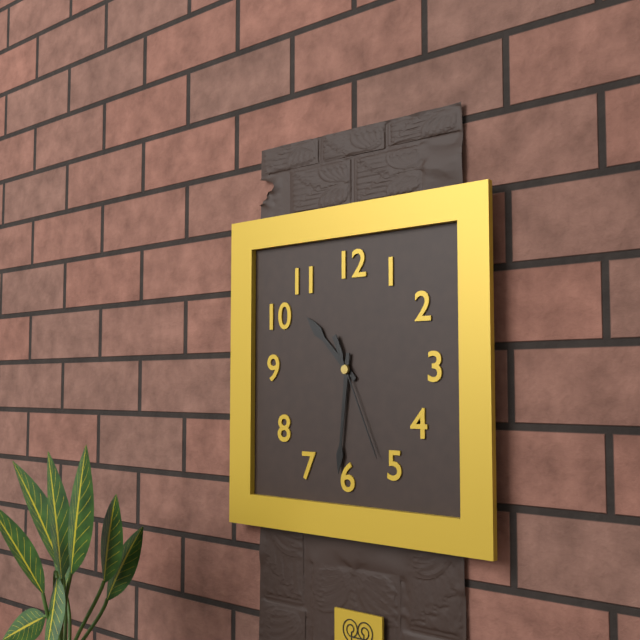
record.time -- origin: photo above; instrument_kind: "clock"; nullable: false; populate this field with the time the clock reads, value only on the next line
10:31:26
